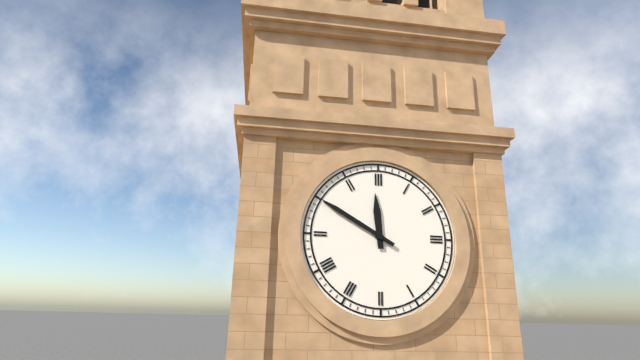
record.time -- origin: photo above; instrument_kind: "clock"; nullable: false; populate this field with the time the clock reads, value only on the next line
11:50
